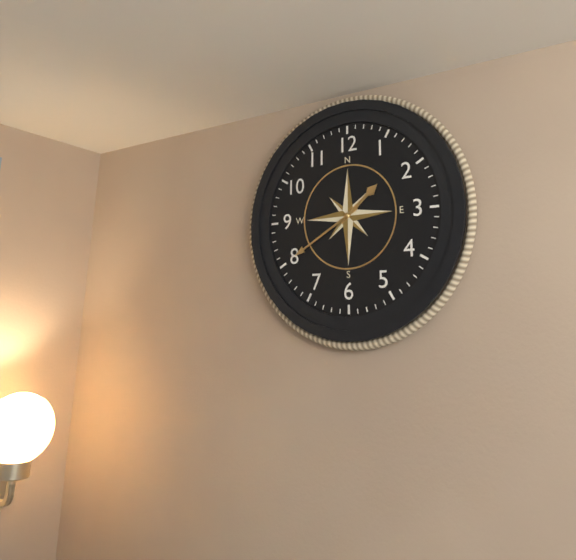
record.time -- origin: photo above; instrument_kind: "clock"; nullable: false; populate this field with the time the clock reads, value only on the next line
1:40
